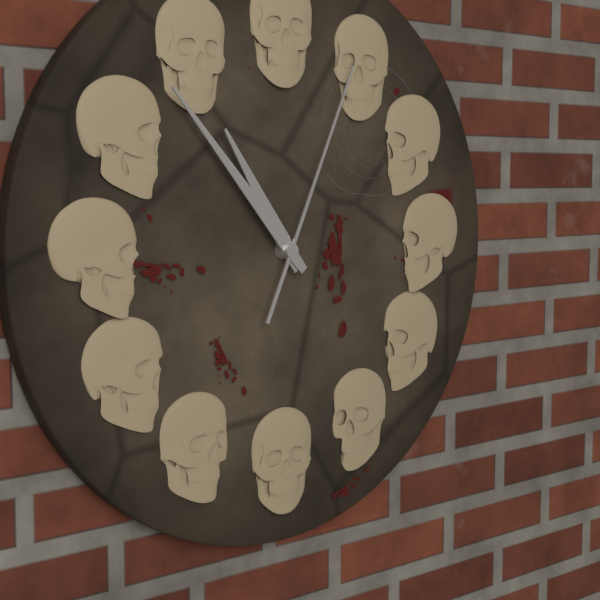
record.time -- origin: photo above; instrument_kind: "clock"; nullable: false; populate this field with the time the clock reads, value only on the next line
10:53:04
